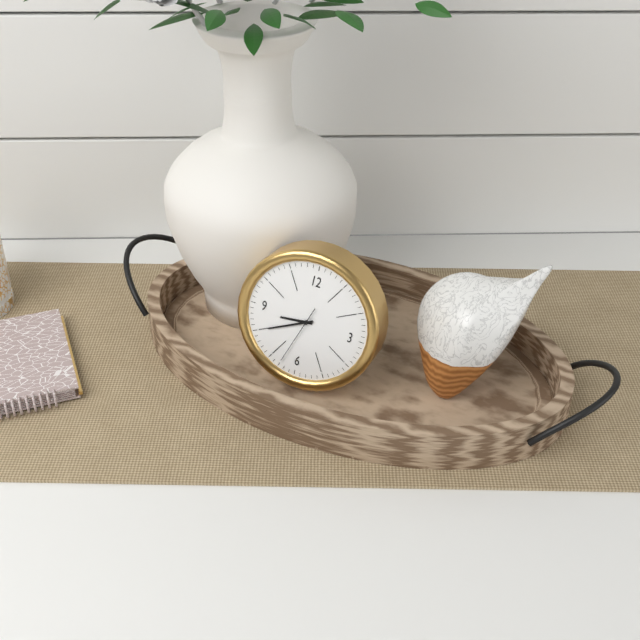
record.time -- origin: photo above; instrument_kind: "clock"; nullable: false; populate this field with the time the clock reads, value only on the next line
8:40:33
